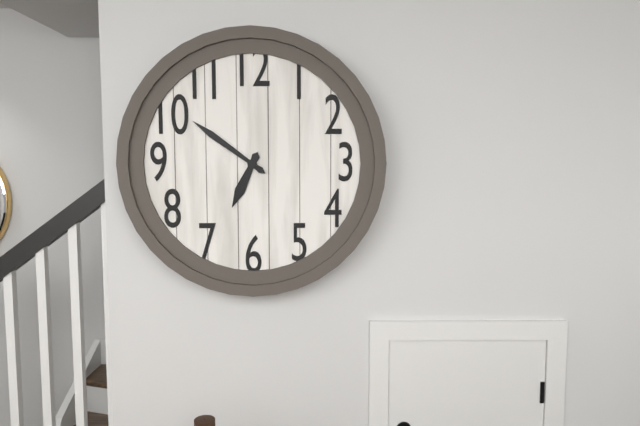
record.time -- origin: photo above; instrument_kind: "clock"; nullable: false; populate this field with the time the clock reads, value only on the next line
6:51
